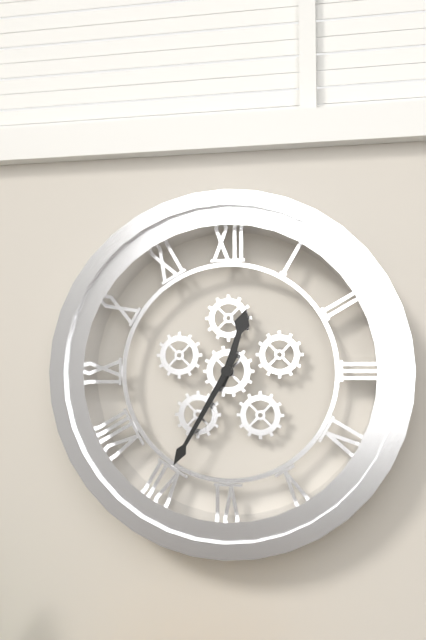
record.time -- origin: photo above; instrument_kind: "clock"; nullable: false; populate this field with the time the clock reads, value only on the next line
12:35
